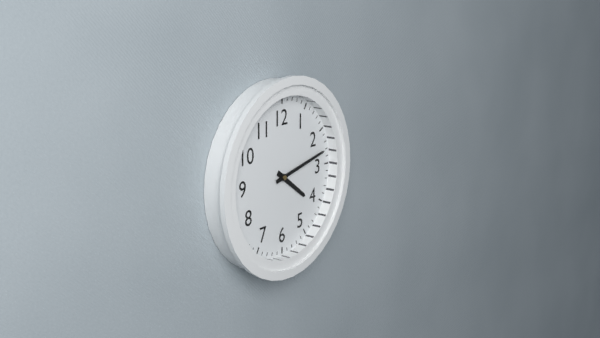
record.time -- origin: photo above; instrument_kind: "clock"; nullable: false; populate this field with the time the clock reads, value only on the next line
4:13
